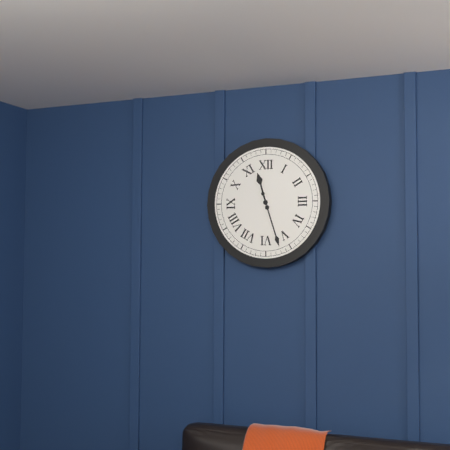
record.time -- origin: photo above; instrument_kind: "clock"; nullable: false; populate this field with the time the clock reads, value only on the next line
11:27
